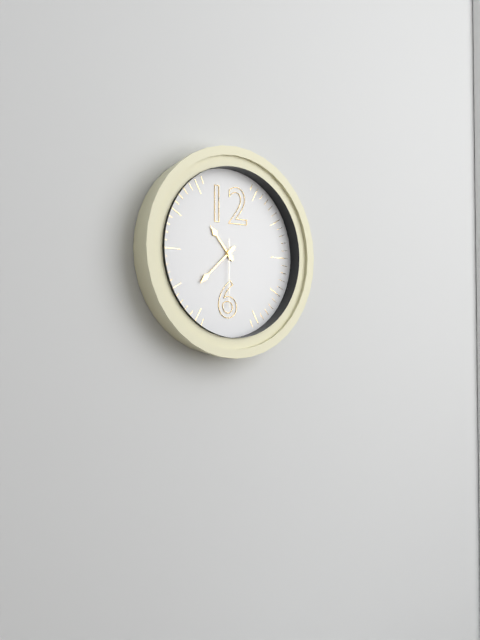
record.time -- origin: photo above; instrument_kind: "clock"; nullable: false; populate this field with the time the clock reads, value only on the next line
10:38:30
